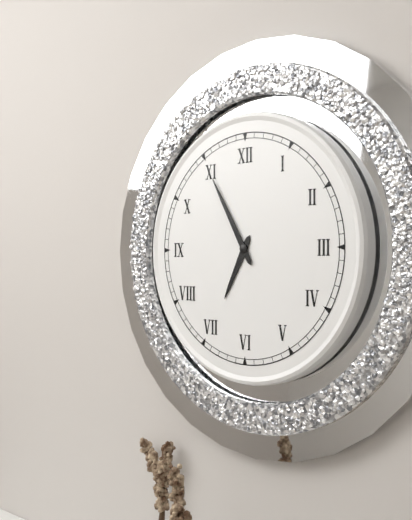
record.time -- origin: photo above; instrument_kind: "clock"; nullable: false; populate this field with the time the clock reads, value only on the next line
6:55
